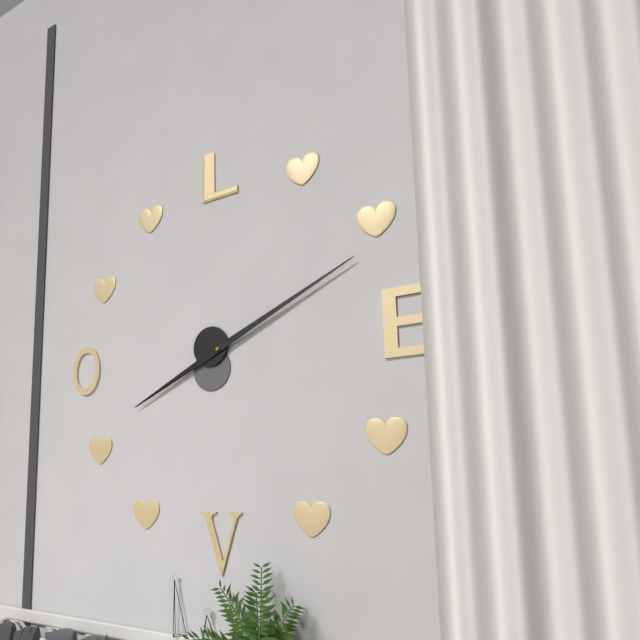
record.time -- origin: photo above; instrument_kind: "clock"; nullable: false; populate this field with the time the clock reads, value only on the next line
8:11
